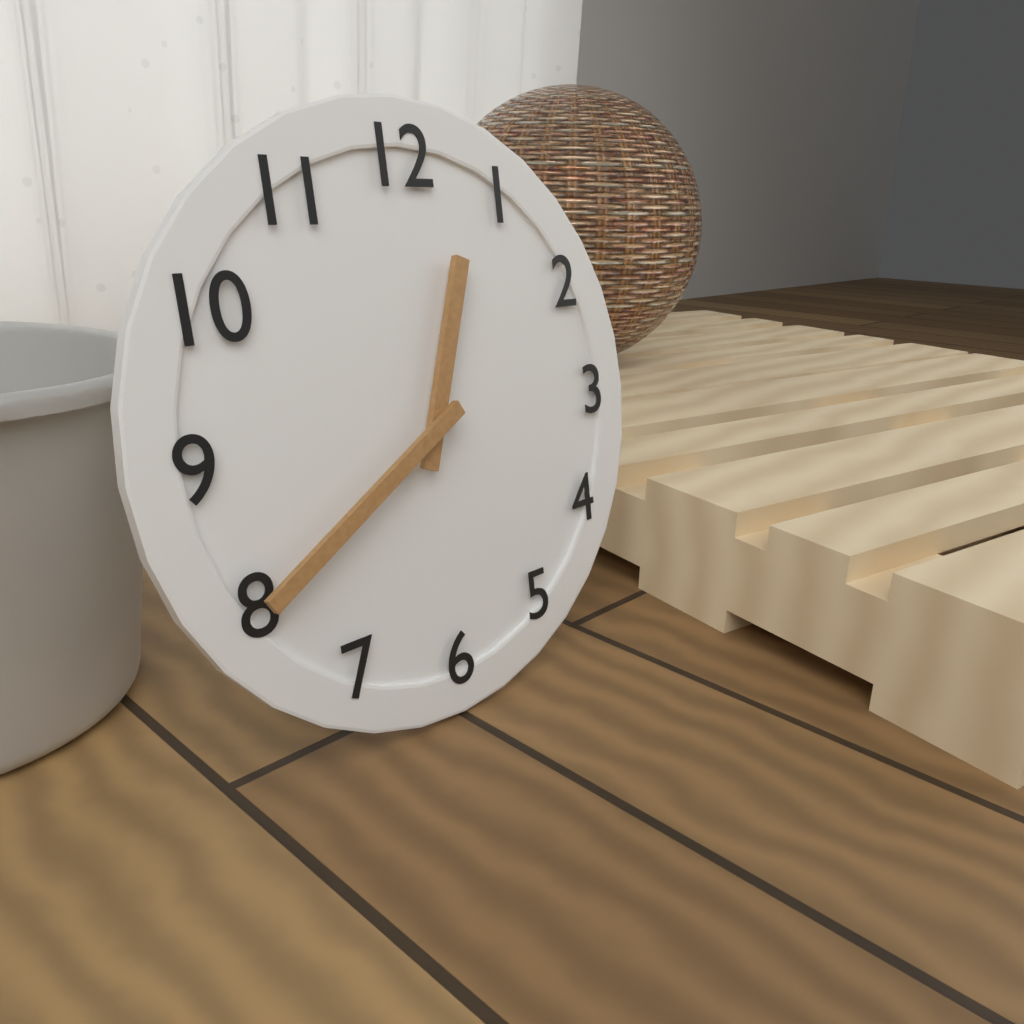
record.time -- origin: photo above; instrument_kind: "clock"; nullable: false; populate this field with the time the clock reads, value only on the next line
12:40
